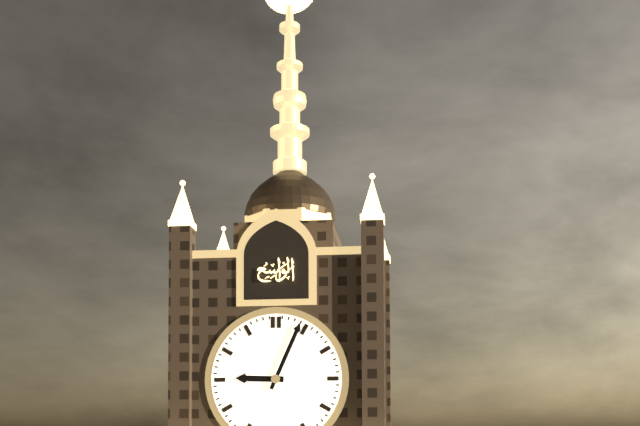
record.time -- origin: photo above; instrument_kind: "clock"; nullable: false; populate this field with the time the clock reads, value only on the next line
9:04
